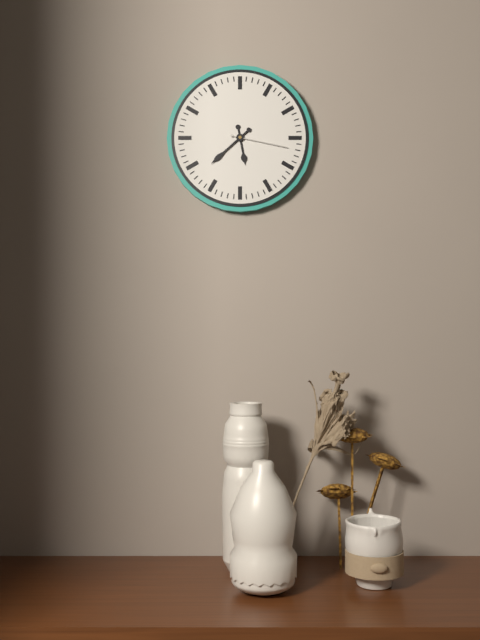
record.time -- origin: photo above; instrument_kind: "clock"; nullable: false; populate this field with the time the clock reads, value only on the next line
5:38:17
